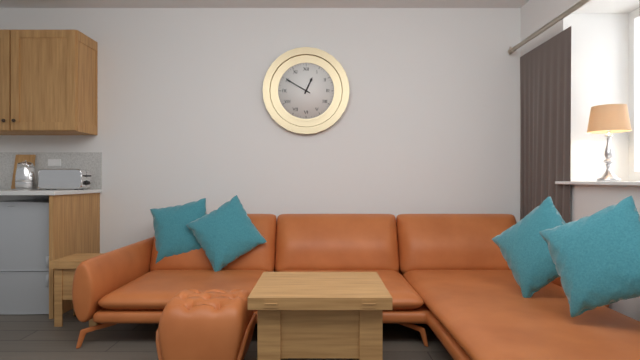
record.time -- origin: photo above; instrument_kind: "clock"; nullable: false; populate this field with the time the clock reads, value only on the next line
12:50
